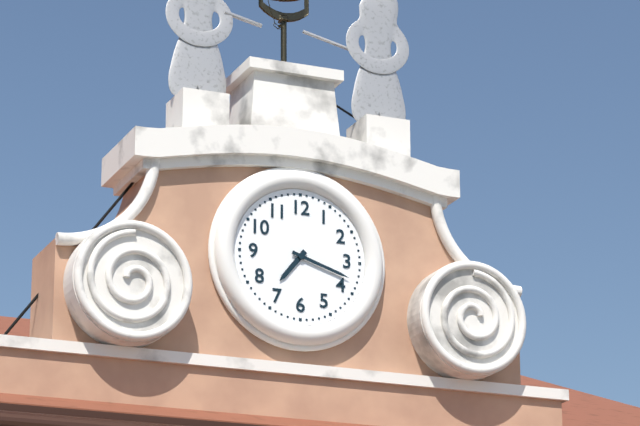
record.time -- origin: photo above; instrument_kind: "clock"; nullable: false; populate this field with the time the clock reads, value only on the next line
7:18
